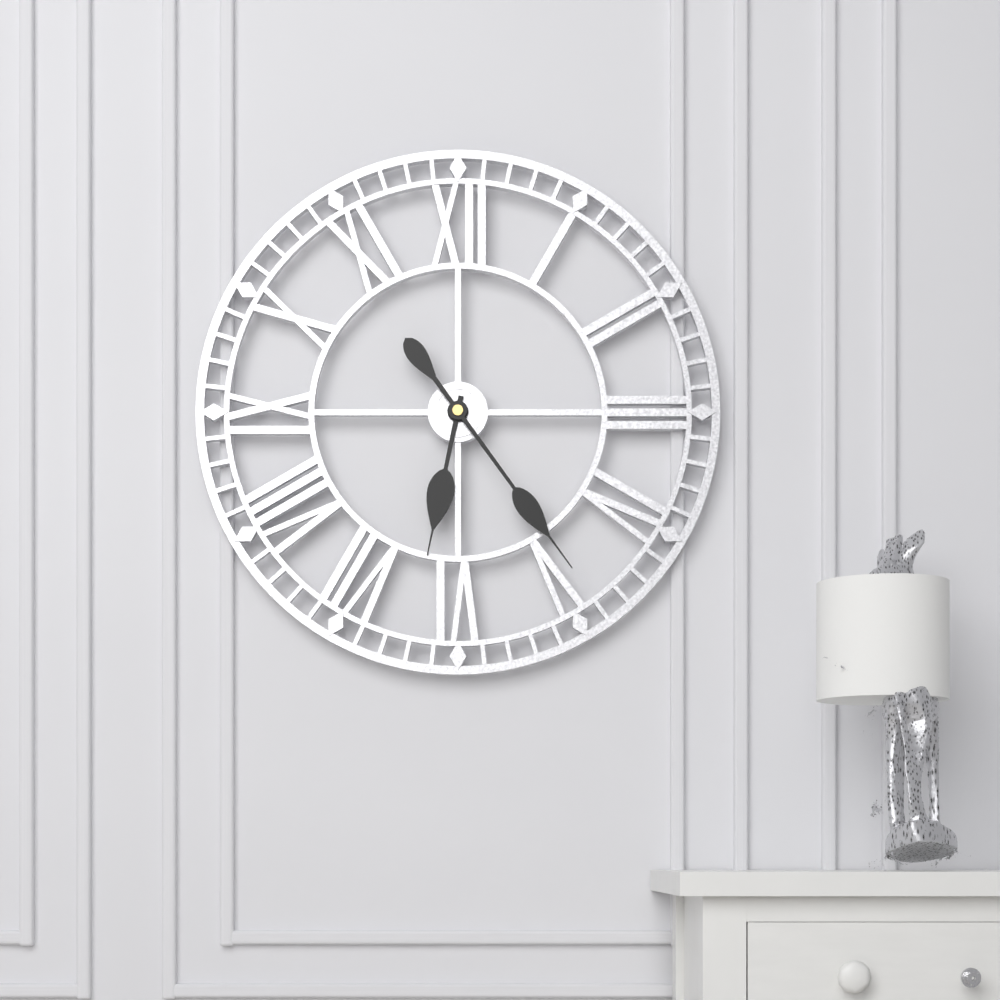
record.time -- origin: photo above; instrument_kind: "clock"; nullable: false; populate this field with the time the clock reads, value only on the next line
6:24
